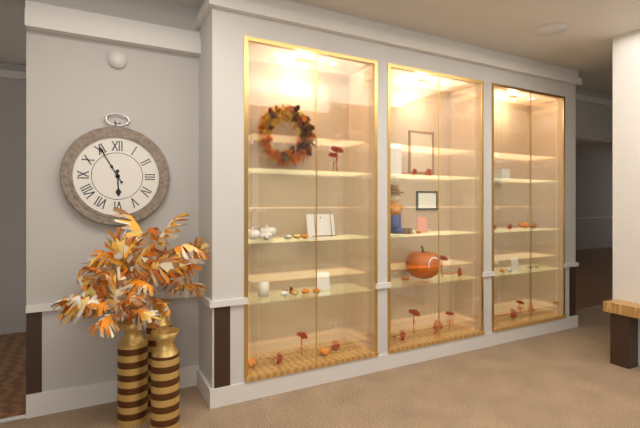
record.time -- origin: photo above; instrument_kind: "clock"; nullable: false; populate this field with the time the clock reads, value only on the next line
5:55
